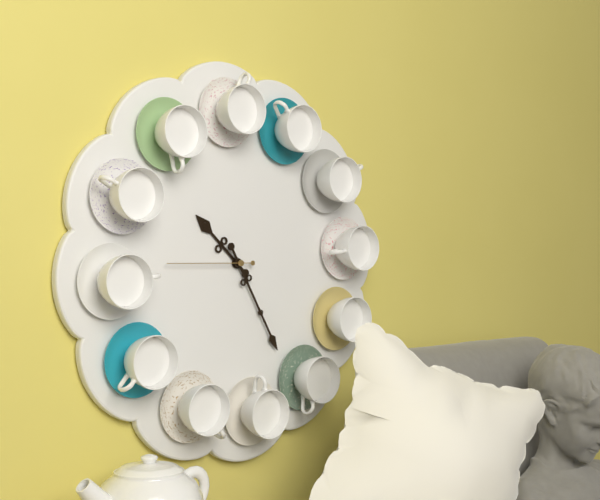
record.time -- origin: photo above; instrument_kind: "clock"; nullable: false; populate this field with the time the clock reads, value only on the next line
10:25:45
